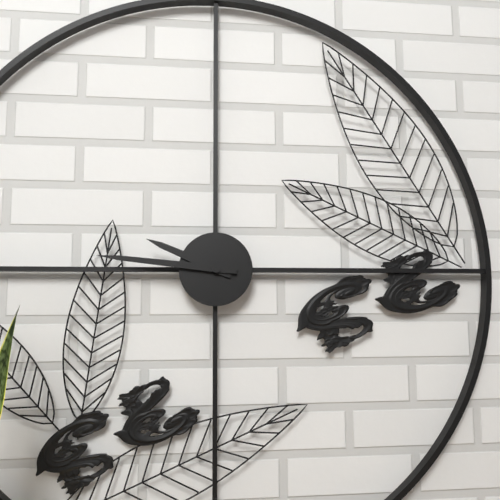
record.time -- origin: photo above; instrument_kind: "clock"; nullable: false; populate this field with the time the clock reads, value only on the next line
9:46
